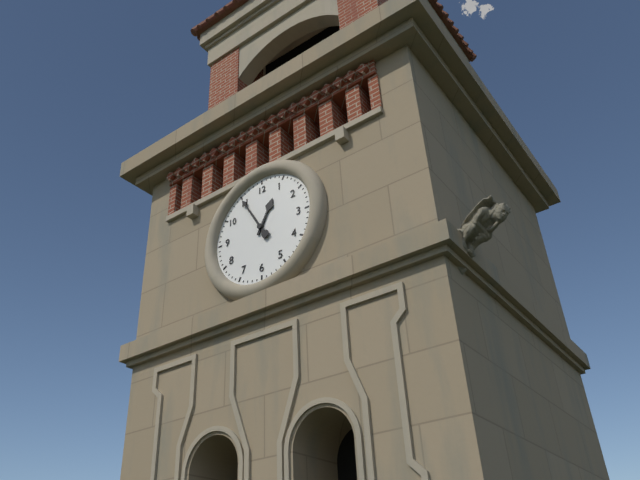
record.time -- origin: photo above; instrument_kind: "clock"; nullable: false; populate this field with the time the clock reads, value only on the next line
12:55
